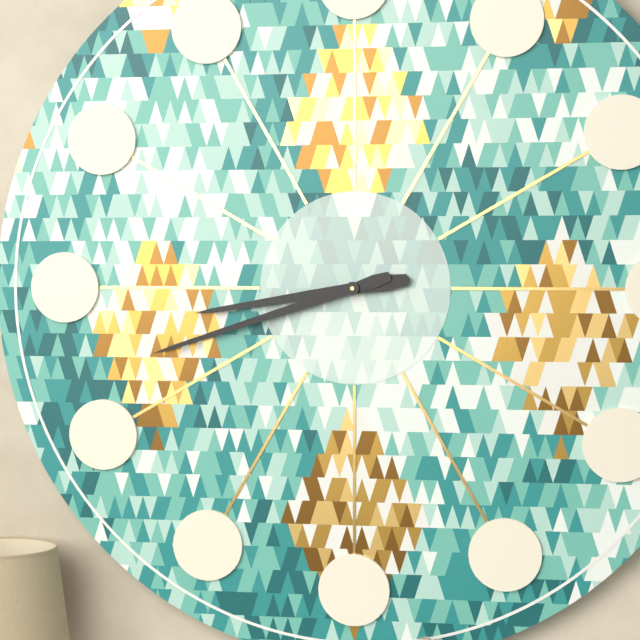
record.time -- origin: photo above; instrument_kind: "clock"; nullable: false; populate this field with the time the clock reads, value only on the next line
8:42
